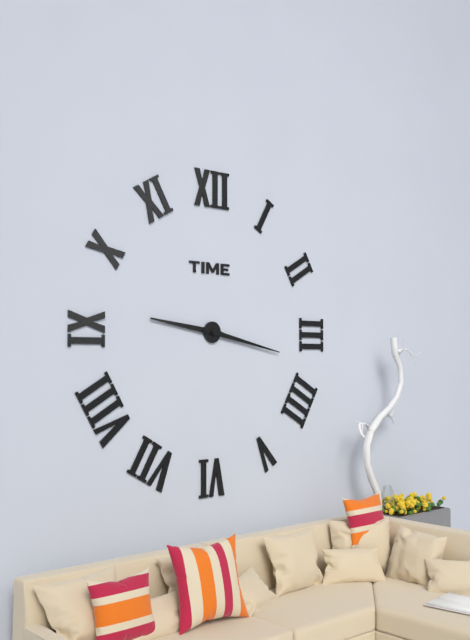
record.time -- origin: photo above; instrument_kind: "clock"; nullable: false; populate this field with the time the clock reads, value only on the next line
9:17
